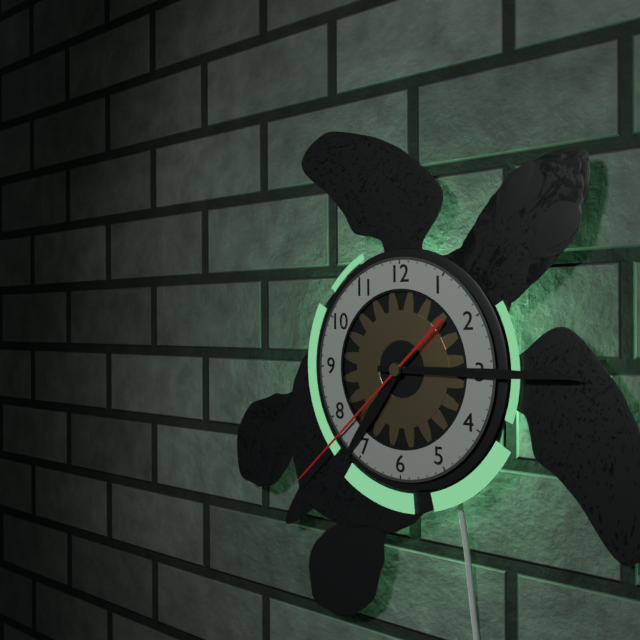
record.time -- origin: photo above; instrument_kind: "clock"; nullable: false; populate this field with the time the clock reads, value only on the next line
7:15:38
